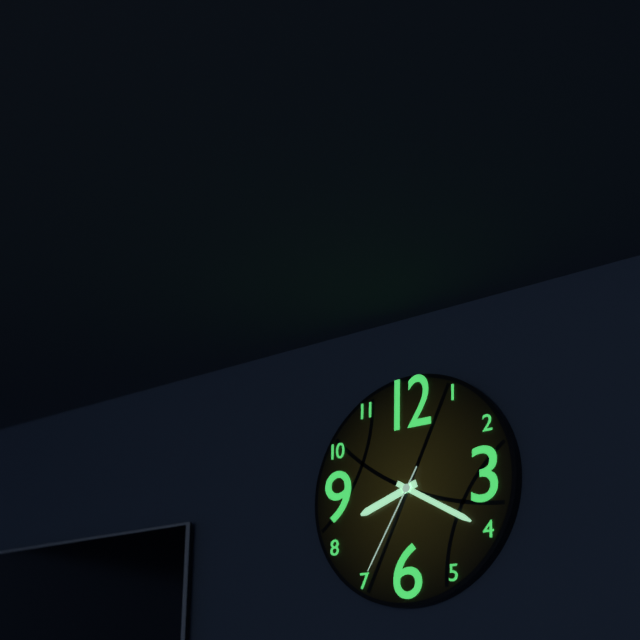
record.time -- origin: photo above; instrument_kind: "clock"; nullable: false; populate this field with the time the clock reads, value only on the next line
8:20:35
